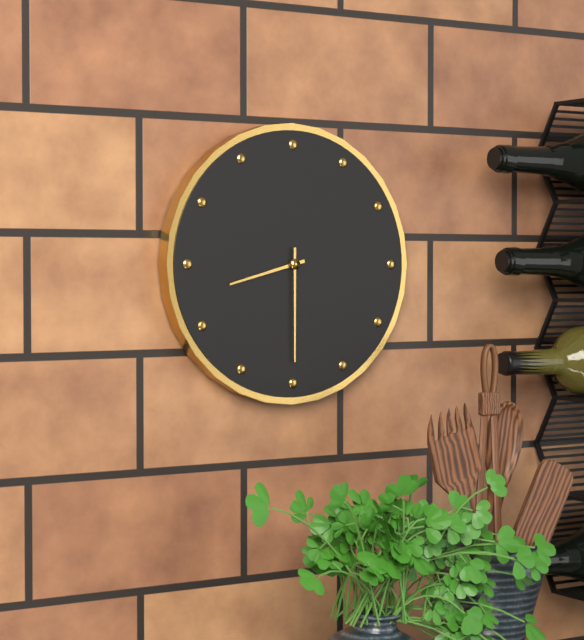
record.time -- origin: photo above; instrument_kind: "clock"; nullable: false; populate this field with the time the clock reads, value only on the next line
8:30
